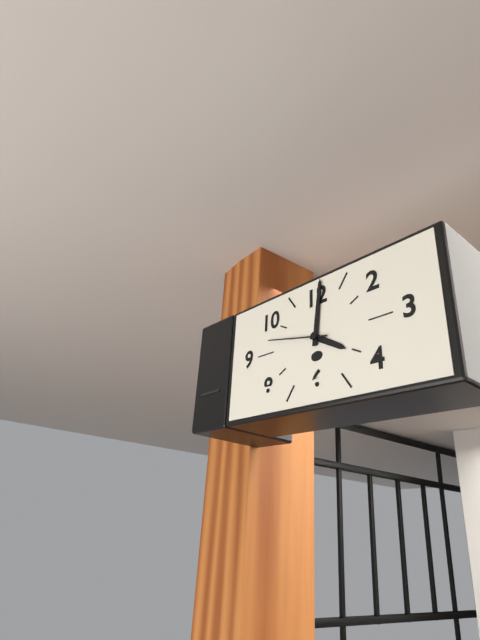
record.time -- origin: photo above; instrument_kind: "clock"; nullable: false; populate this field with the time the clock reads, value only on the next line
4:01:47
